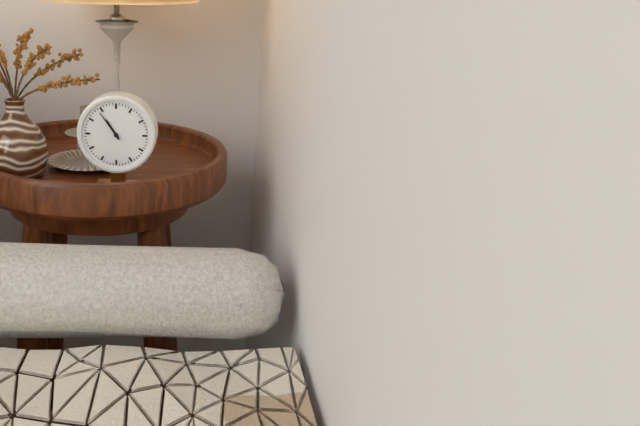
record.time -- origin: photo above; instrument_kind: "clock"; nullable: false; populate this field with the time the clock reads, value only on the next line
10:54
